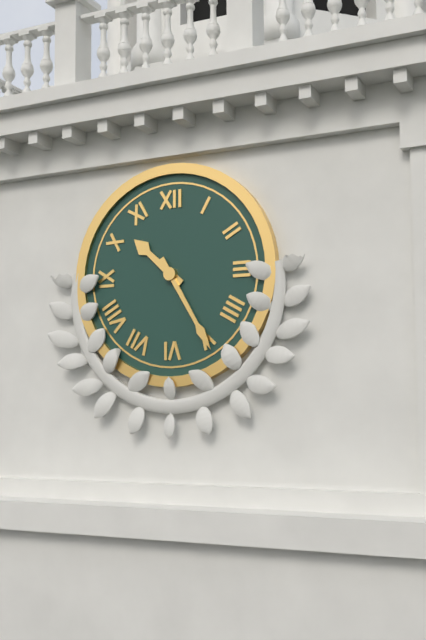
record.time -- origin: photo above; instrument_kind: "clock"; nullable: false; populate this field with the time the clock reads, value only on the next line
10:25
